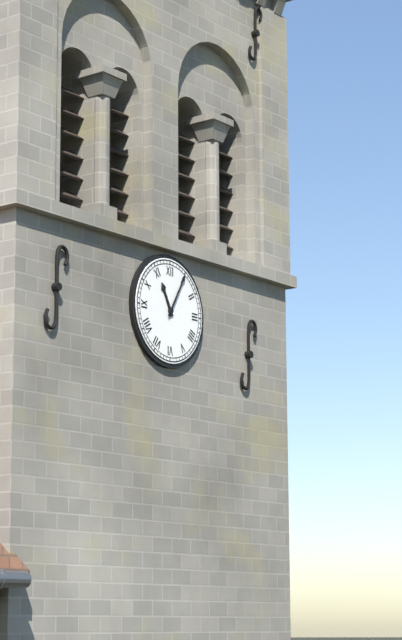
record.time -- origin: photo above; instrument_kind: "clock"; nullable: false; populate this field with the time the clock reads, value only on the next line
11:05
